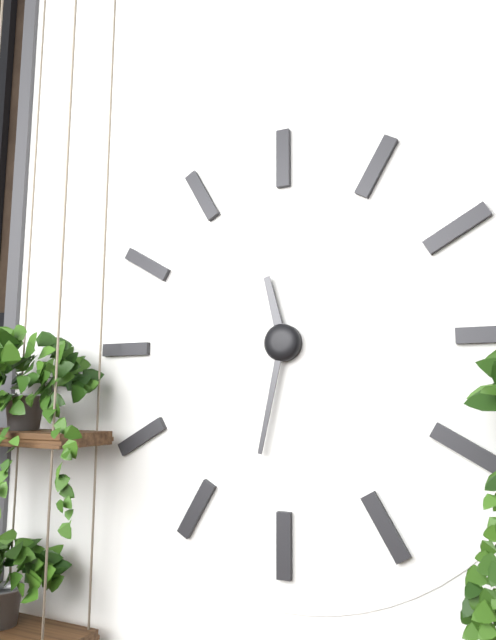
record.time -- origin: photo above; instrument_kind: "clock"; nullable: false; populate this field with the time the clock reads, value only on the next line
11:32
